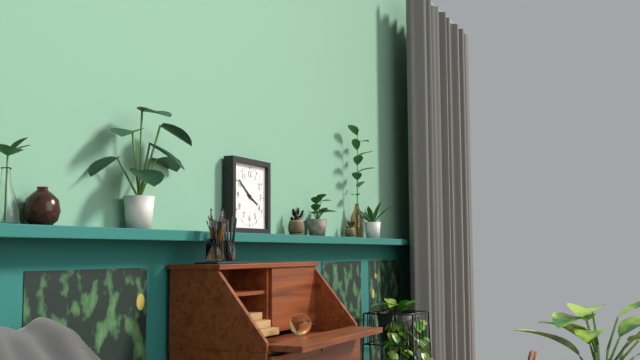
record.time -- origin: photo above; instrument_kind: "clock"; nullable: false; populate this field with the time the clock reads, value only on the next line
3:51
